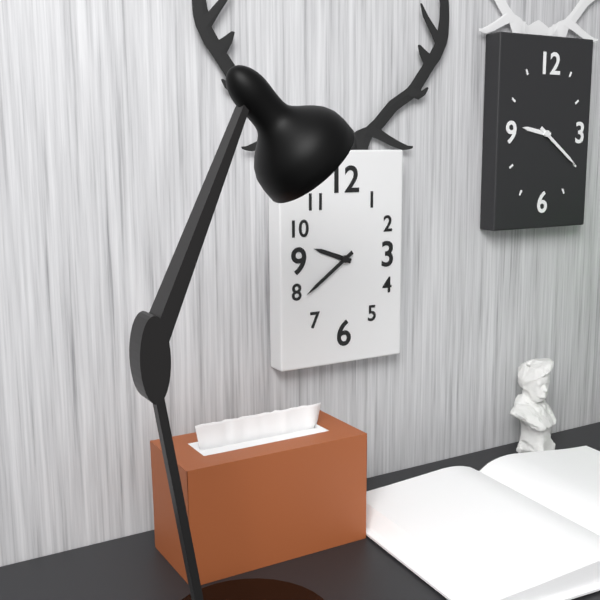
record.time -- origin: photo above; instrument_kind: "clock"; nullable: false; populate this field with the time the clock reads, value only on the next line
9:39
